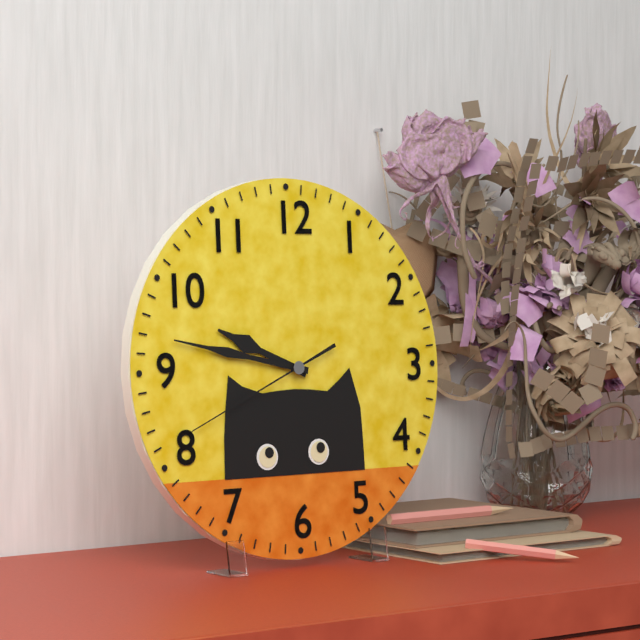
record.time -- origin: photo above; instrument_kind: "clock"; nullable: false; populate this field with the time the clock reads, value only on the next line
9:47:41
